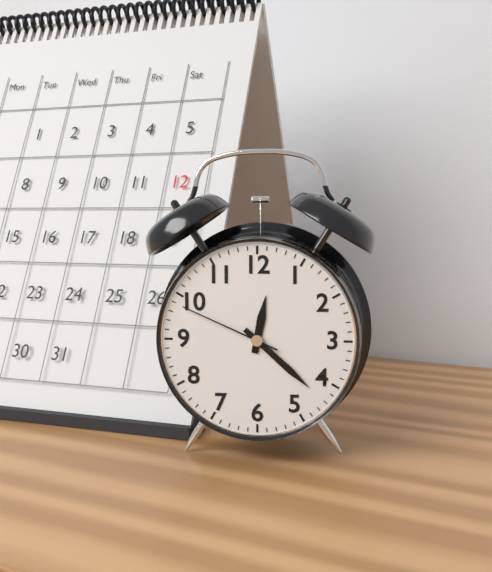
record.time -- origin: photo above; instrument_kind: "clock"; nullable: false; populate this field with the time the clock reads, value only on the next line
12:22:49
